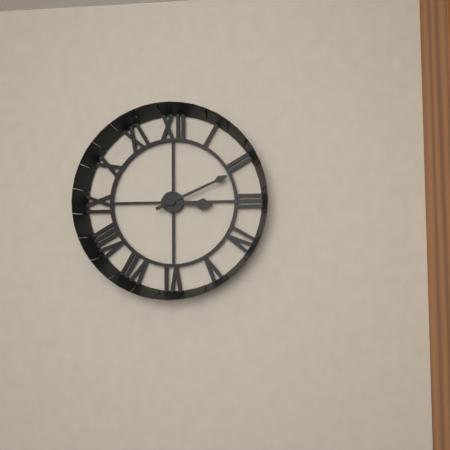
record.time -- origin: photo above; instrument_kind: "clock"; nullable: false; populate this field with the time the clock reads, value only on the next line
3:11
